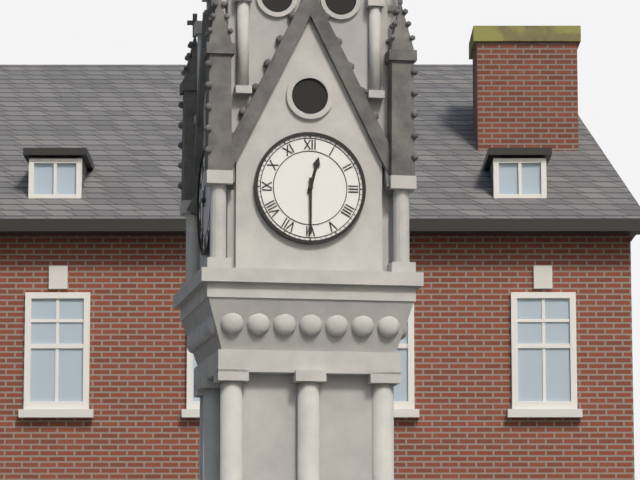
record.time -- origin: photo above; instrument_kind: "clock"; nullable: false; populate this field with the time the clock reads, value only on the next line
12:30
